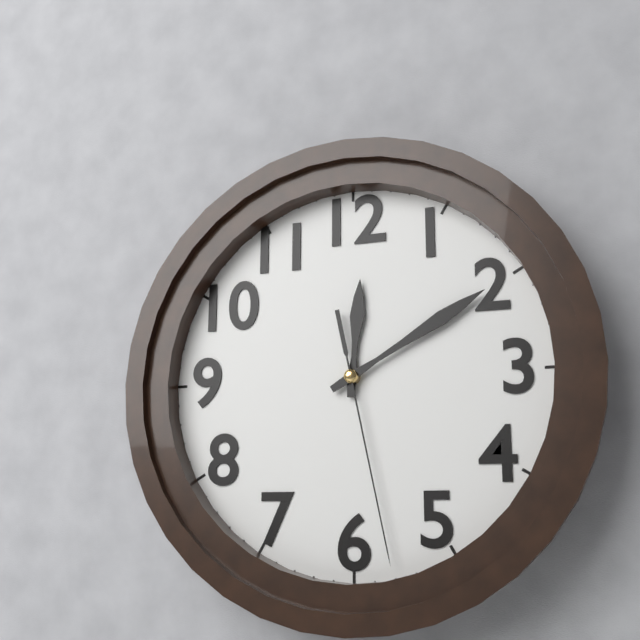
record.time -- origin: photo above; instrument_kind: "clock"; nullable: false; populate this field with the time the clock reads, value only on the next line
12:10:28
